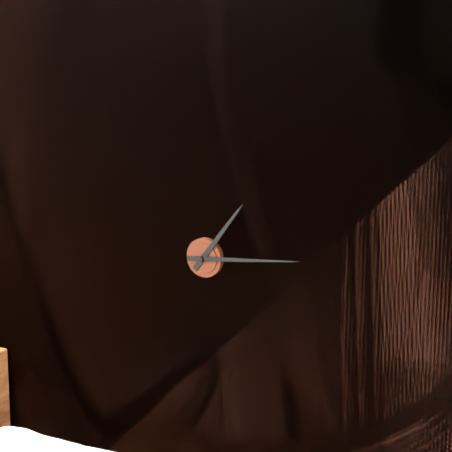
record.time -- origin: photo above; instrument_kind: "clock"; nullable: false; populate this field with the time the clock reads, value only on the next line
1:14
